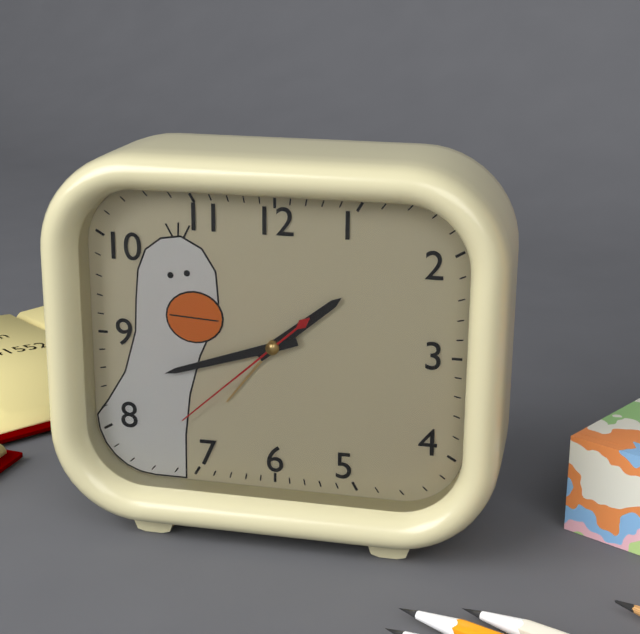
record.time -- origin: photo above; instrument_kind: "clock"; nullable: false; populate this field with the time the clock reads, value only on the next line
1:42:38
